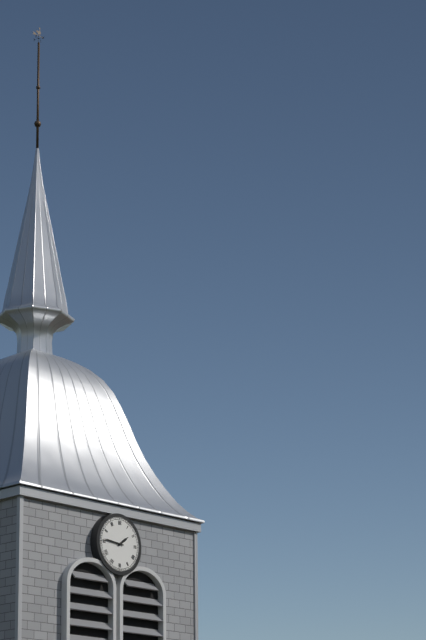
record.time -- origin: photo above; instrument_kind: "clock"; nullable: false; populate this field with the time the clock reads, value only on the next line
1:46
